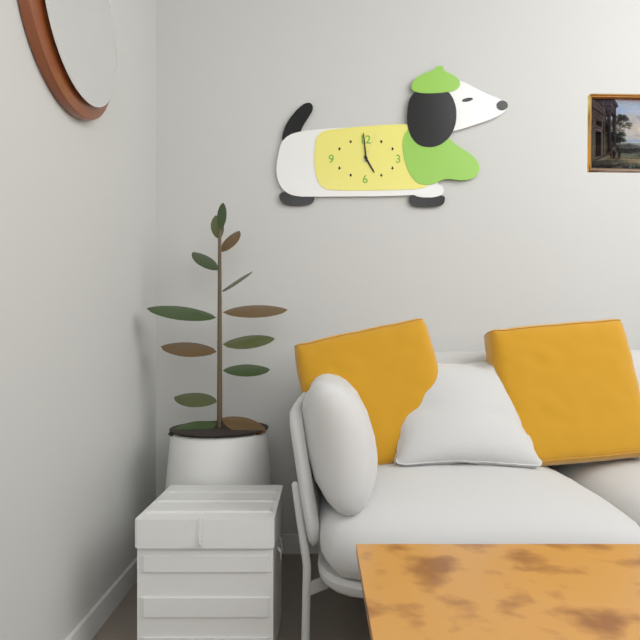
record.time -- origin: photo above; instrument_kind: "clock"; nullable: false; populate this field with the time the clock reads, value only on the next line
4:59
